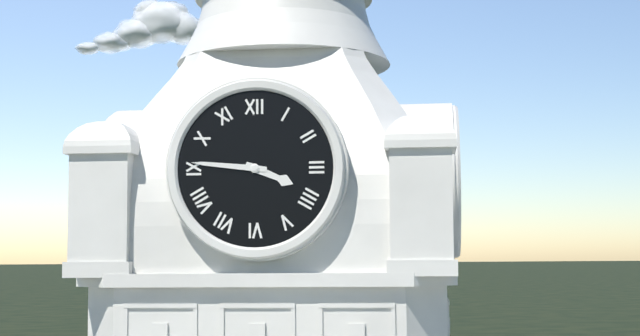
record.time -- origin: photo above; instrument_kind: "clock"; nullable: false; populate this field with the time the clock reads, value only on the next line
3:46
